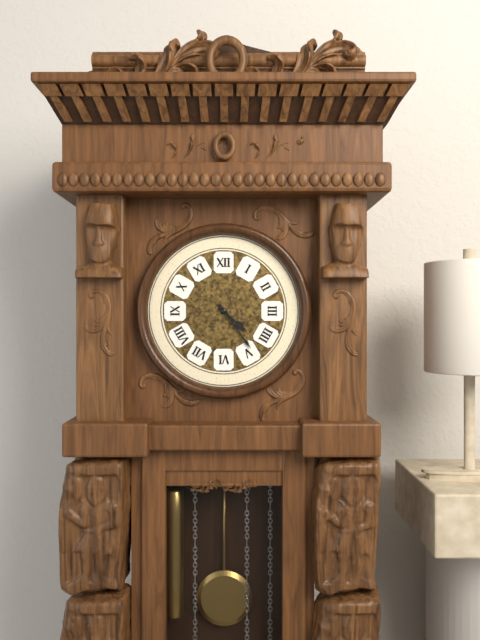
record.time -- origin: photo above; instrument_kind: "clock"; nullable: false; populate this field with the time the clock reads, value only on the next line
4:24
